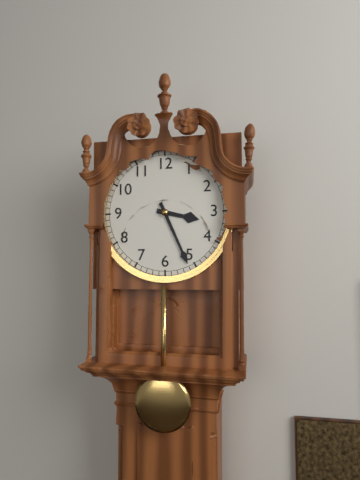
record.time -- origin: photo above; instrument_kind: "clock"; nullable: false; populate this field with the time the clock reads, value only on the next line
3:26
